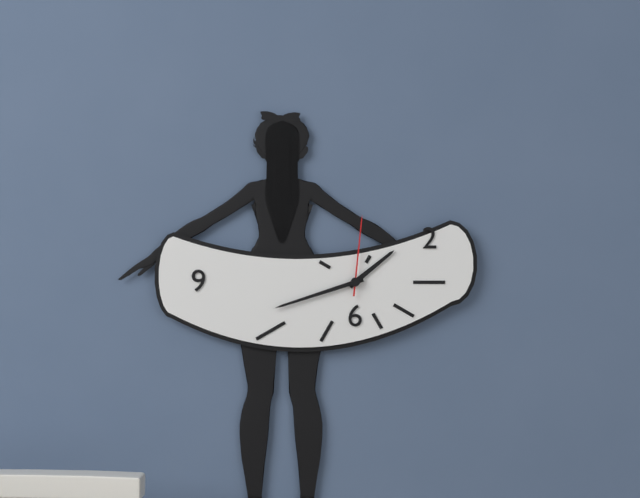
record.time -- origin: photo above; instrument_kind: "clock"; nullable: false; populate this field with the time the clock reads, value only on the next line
1:42:01
